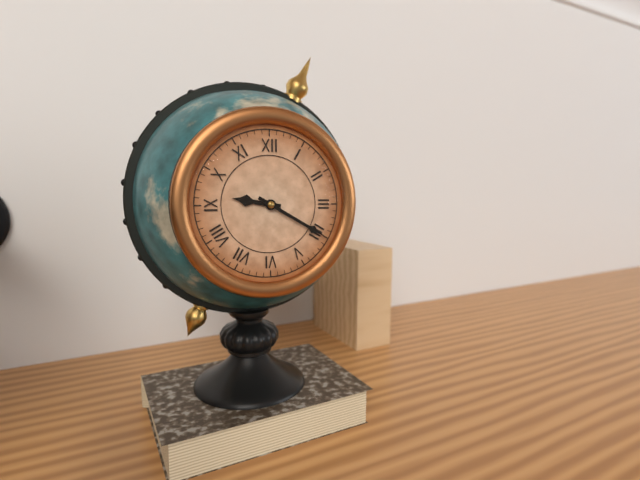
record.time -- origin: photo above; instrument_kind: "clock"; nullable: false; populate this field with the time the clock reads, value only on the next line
9:20
